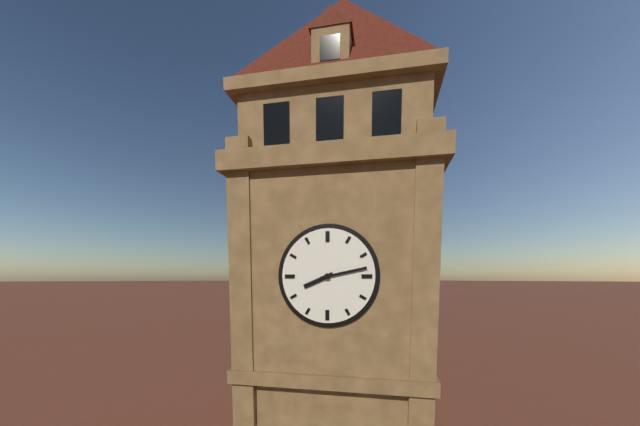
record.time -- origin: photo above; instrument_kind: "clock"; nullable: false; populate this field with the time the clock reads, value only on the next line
8:13
